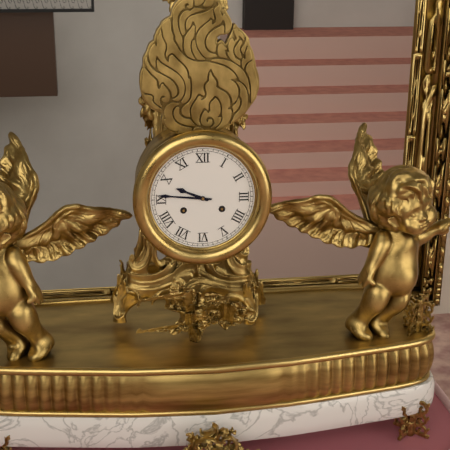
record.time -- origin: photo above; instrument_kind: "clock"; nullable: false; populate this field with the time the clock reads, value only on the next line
9:46
